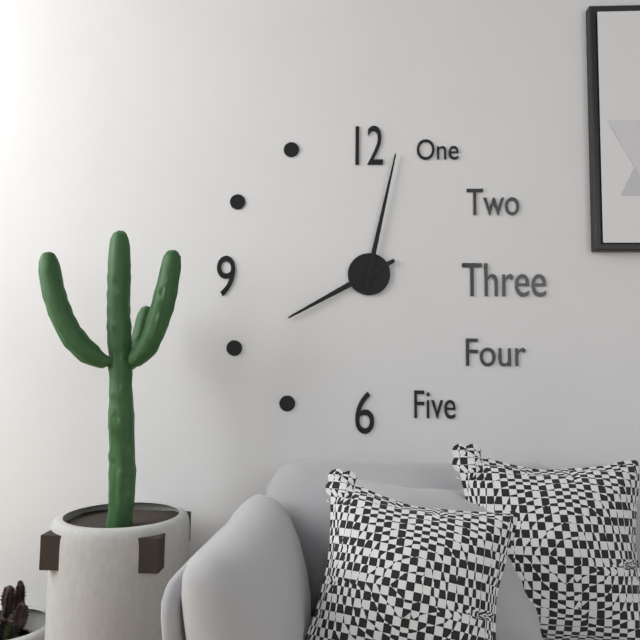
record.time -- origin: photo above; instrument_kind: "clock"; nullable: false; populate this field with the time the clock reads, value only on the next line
8:02
